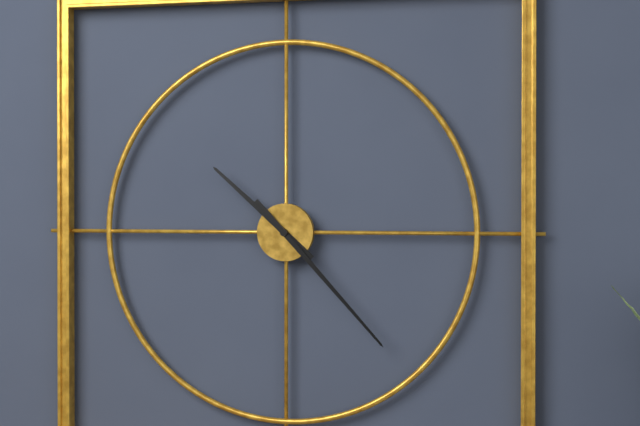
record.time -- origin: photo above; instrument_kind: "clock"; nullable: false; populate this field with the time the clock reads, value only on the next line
10:23
